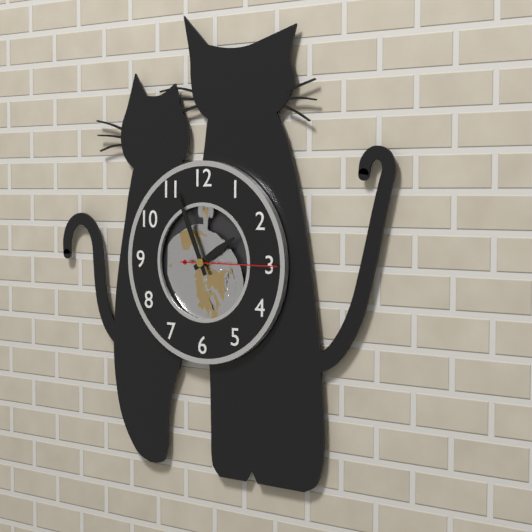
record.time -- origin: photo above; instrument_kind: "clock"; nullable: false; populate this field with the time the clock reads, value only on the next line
1:56:15
